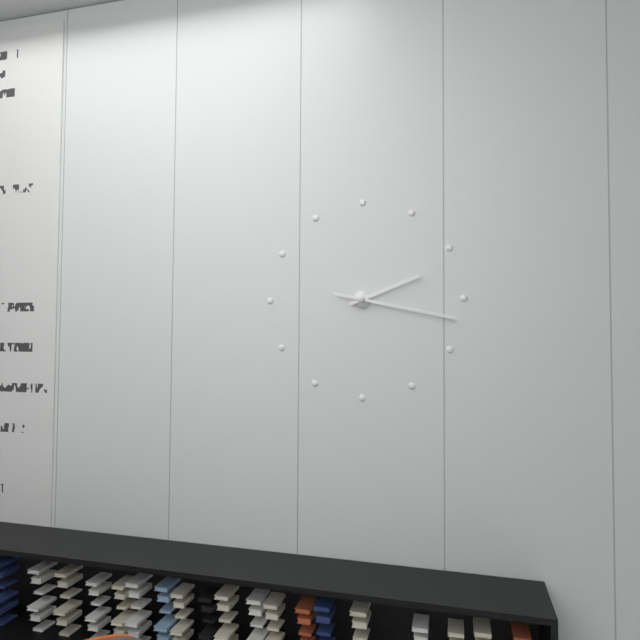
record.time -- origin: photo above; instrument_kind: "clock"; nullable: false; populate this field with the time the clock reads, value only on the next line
2:17
